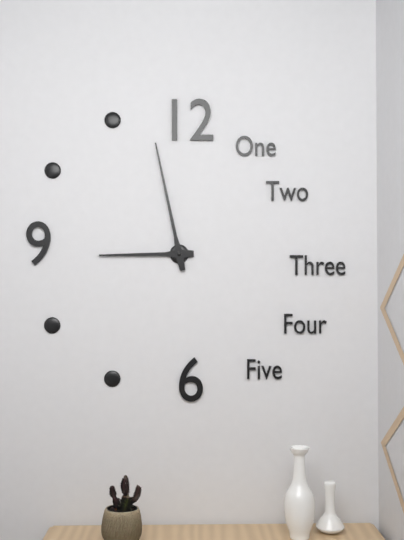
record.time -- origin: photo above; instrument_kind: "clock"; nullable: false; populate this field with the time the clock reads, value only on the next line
8:58
